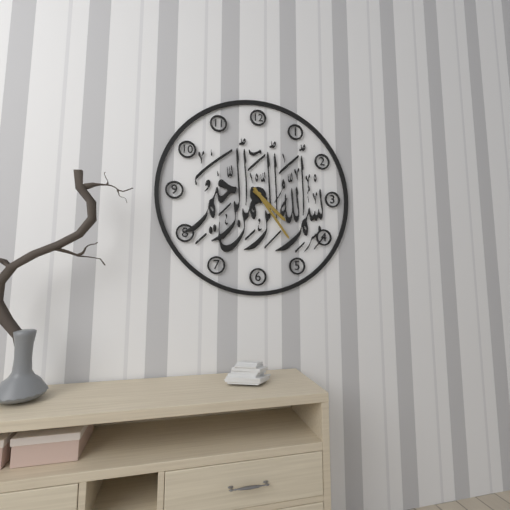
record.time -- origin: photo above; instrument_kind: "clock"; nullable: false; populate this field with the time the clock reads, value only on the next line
4:24
